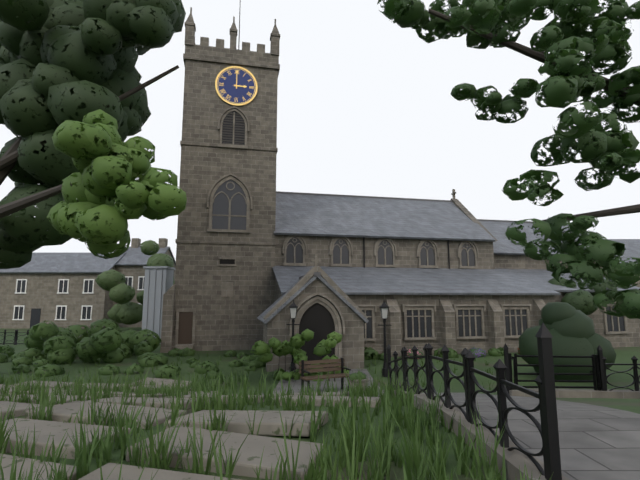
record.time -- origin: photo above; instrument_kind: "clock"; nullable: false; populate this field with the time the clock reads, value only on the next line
3:00
